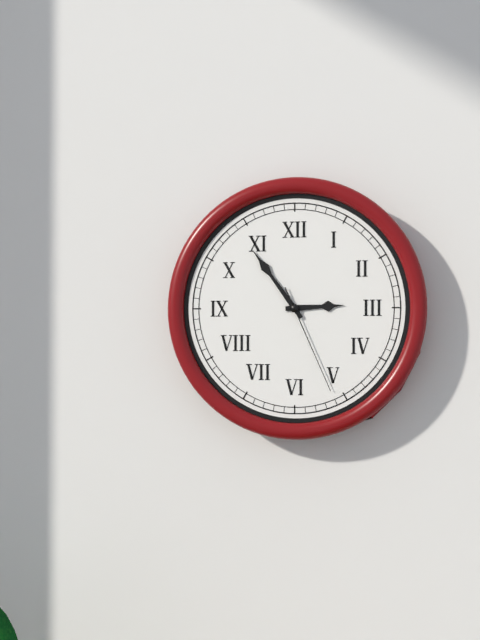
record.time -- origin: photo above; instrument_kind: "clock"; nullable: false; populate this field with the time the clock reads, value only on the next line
2:54:26
